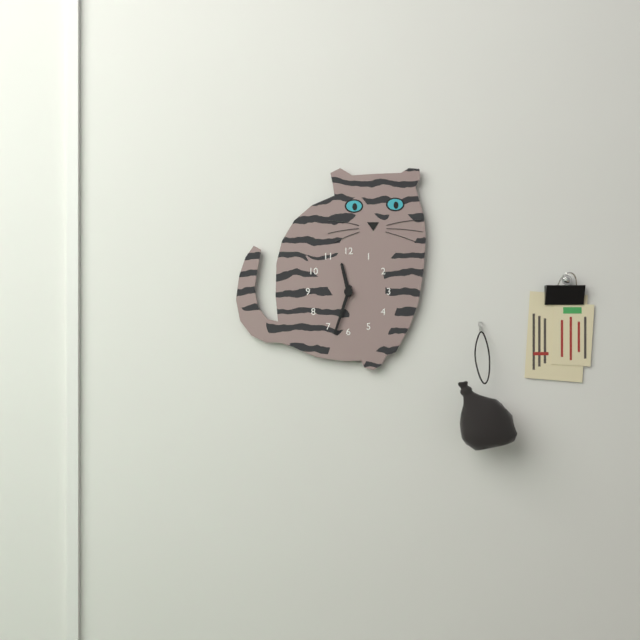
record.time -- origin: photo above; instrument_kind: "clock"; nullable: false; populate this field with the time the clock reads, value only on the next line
11:33
